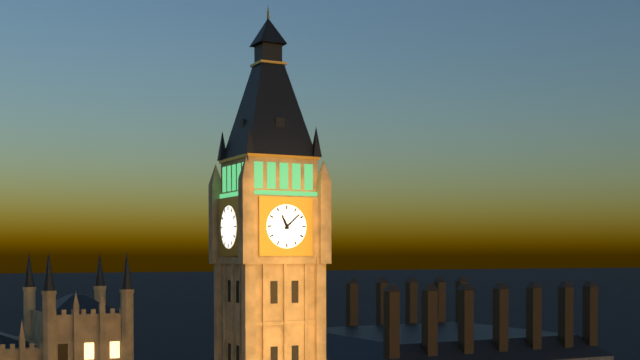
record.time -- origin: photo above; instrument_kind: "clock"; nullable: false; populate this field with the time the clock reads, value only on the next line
11:08
